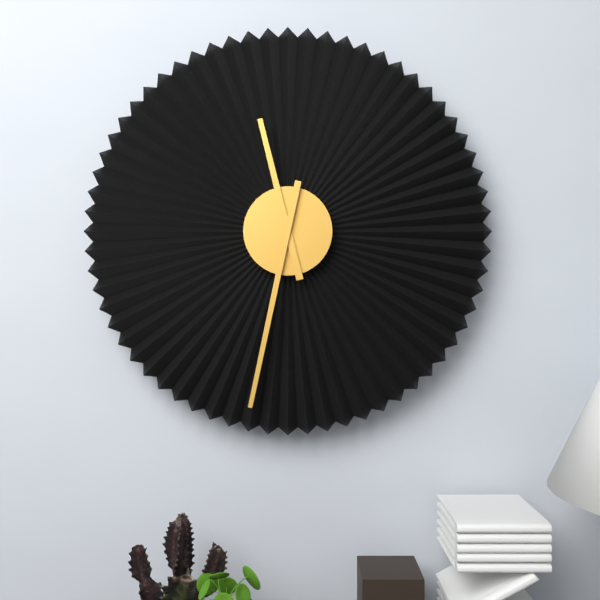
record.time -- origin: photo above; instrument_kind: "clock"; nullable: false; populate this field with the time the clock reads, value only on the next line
11:32
